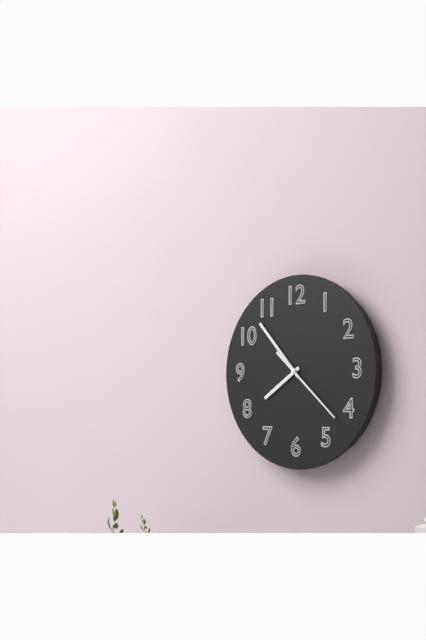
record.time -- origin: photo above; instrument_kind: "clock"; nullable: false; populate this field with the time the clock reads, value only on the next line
7:53:22
